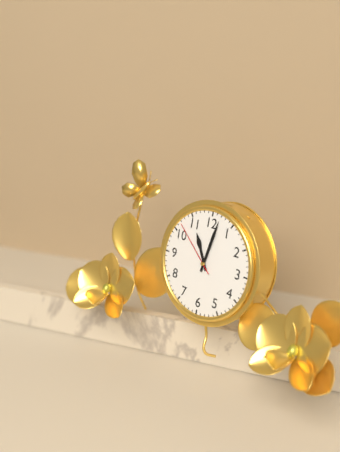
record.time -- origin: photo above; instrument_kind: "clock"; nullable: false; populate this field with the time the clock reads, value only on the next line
11:02:52
